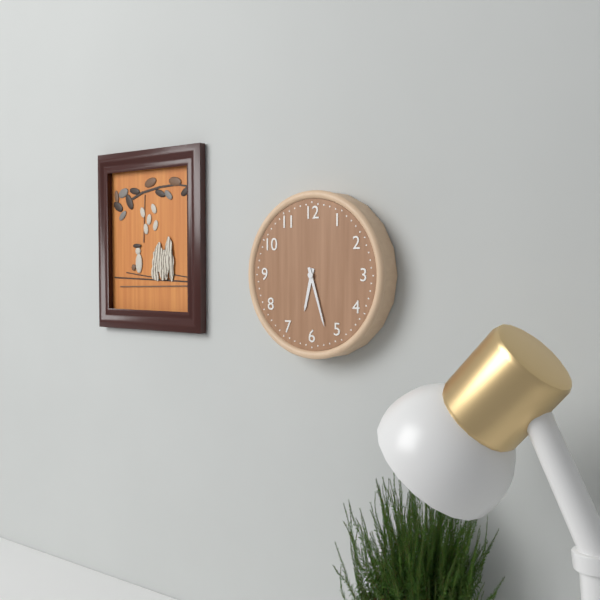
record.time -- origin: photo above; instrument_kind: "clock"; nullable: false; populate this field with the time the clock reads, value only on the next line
6:27
